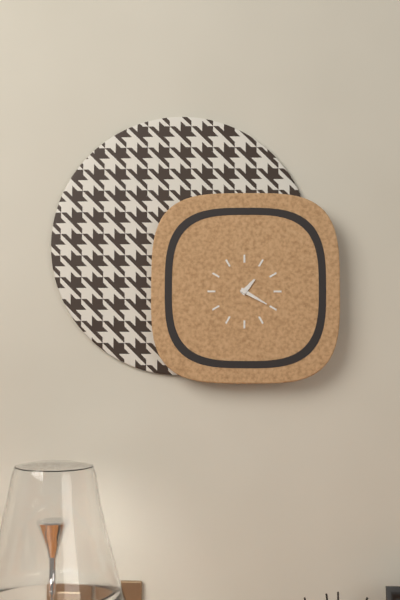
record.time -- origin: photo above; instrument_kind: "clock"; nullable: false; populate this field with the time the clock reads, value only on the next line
1:20
